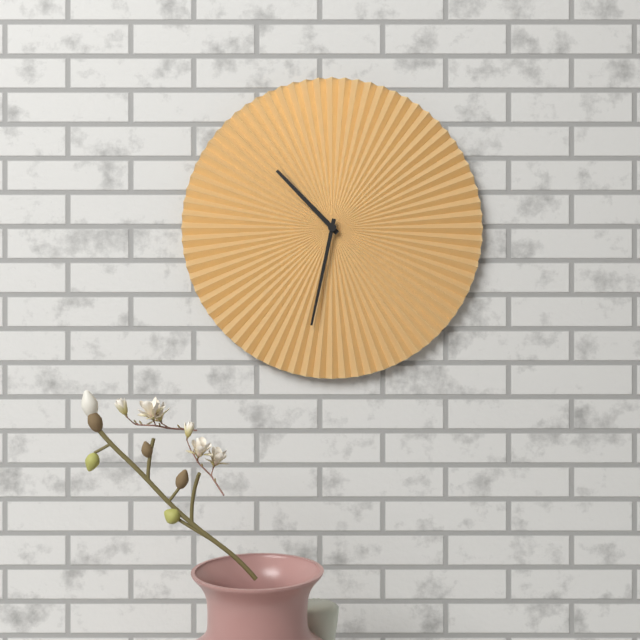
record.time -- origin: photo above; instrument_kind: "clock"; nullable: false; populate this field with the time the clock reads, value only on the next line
10:32
